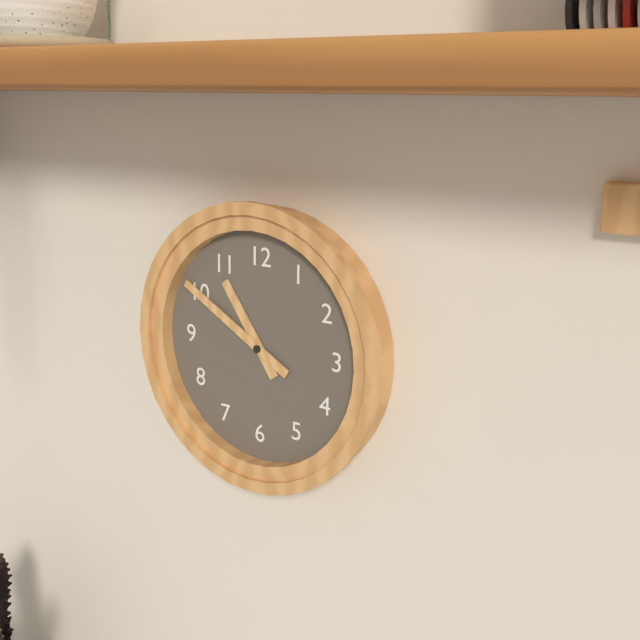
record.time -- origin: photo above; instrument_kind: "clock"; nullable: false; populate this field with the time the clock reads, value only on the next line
10:50
